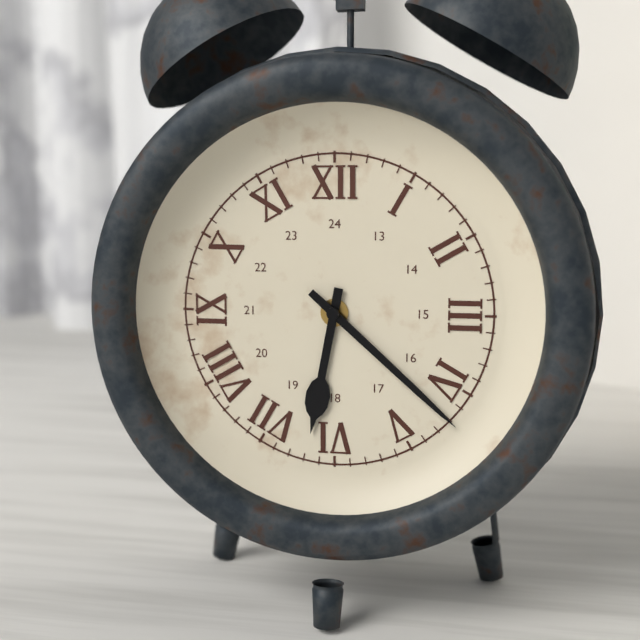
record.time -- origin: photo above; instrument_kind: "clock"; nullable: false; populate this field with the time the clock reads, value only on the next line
6:22
